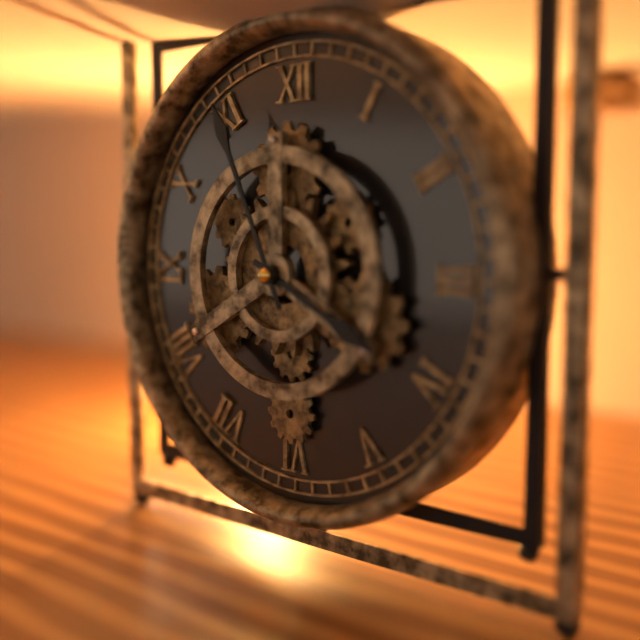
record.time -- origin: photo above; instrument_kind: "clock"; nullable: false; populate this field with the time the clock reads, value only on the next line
3:56
